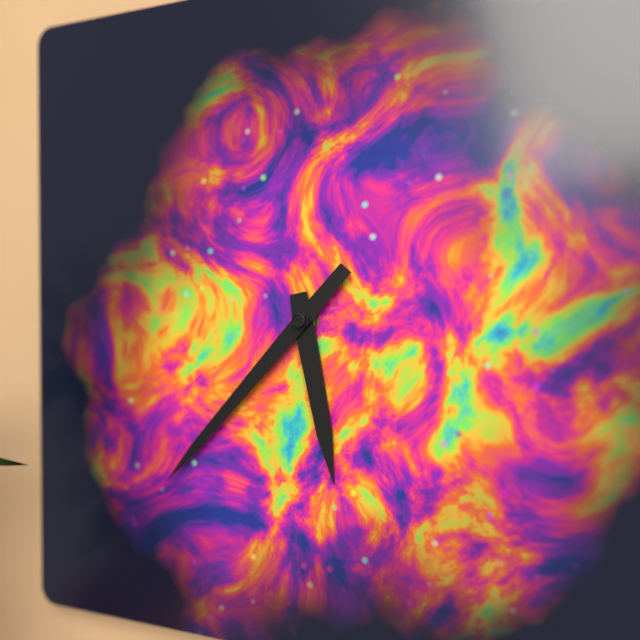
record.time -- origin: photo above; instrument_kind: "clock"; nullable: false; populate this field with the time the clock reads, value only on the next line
5:37
